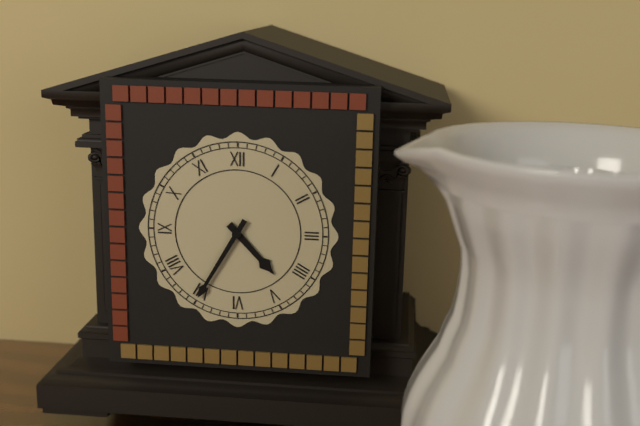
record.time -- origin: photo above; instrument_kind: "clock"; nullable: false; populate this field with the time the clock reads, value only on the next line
4:35
